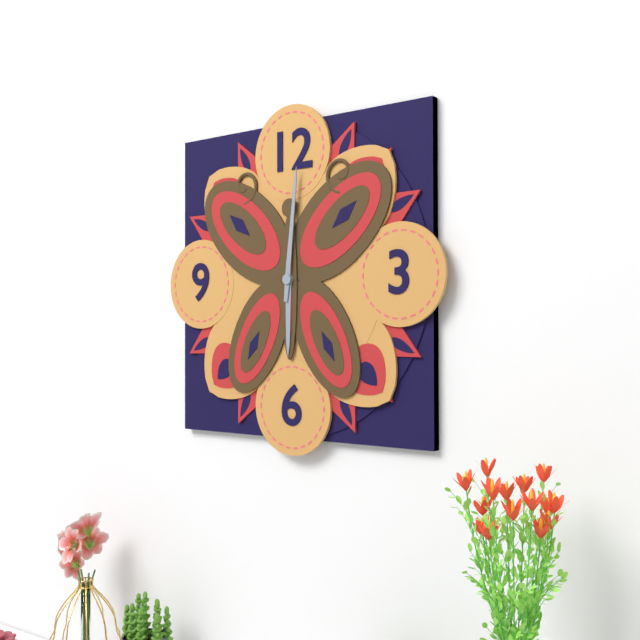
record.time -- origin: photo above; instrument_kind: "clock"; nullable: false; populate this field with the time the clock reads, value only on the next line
6:01
